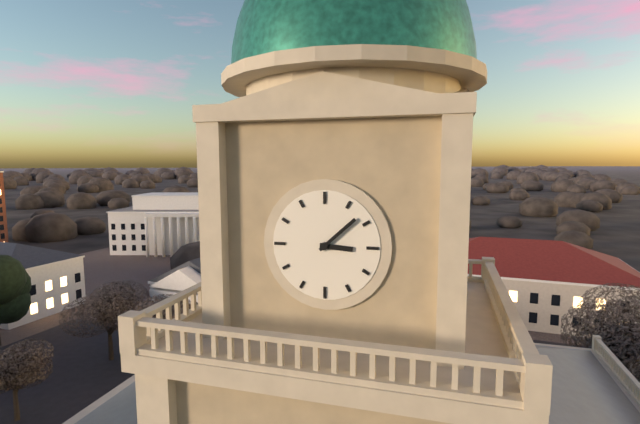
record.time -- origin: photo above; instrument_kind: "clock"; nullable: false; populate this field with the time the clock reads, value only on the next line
3:08
